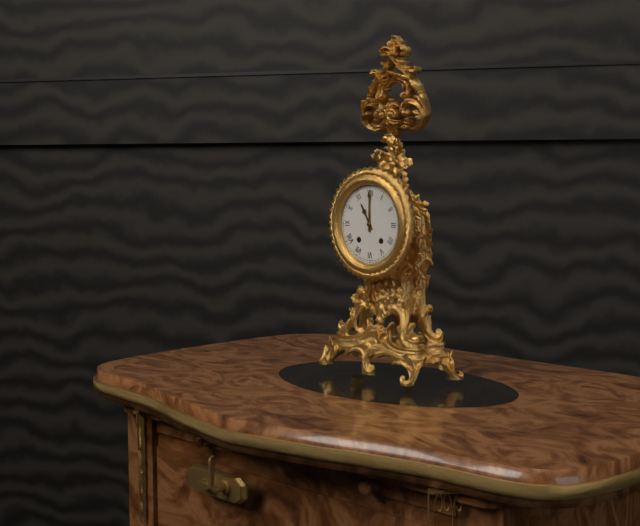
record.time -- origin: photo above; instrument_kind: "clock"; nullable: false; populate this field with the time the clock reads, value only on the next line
11:00
